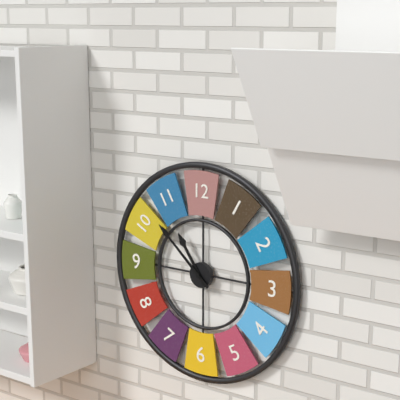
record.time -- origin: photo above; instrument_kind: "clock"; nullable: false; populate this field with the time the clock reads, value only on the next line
10:52
